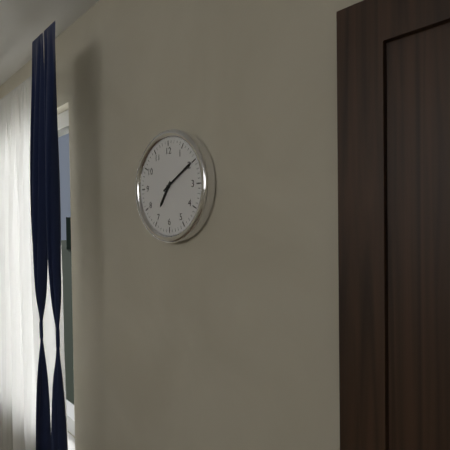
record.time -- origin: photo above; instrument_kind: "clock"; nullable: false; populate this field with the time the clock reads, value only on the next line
7:10
